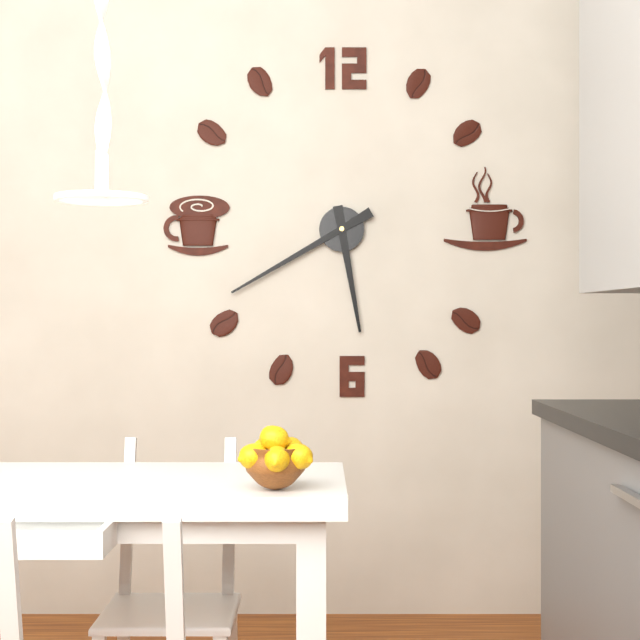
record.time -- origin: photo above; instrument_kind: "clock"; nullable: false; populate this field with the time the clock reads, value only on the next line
5:40
